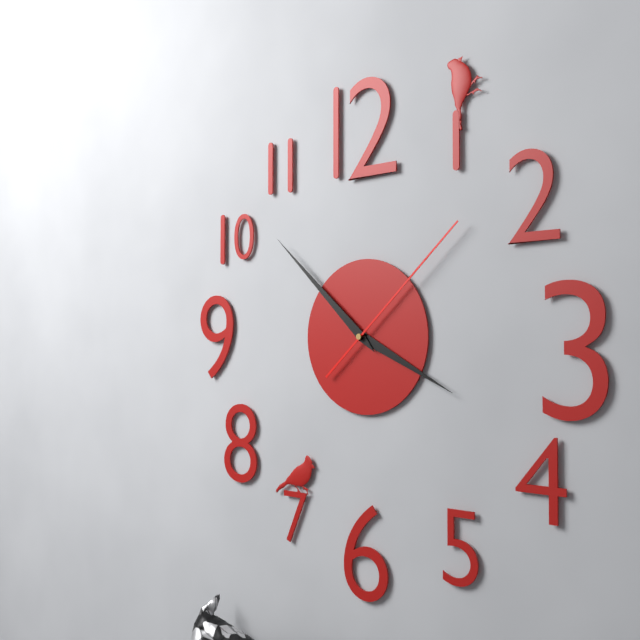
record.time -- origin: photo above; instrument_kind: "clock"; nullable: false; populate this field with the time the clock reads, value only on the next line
3:52:08
